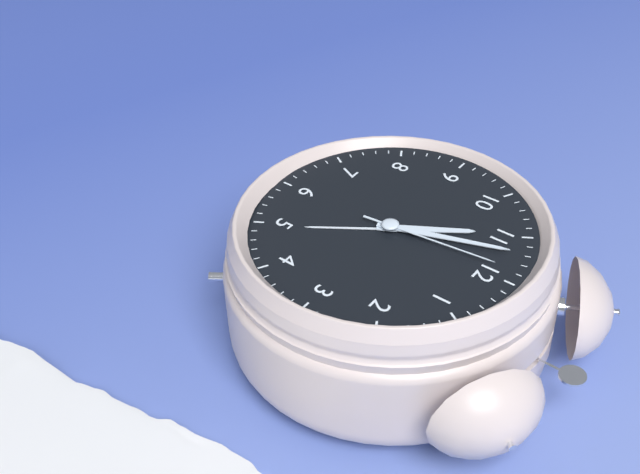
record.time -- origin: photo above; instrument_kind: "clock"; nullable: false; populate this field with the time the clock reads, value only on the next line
10:57:59
